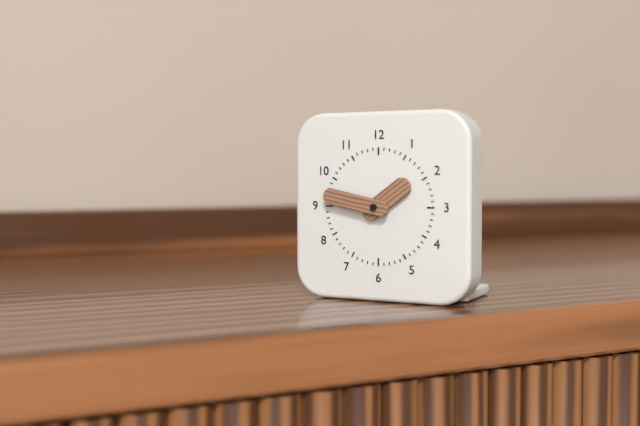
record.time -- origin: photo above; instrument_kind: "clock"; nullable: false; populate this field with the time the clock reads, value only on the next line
1:47
